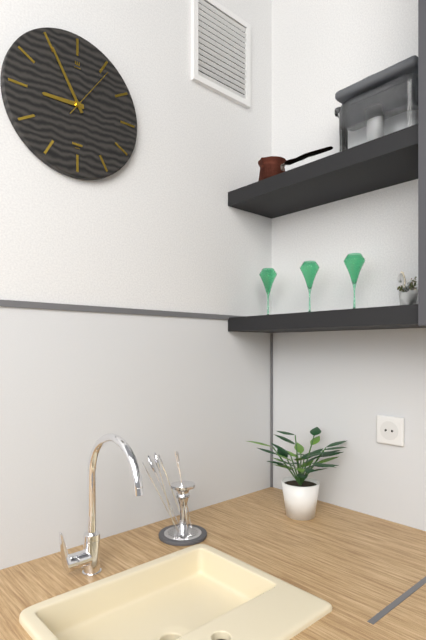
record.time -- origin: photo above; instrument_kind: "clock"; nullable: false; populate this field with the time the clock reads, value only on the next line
8:55:06
